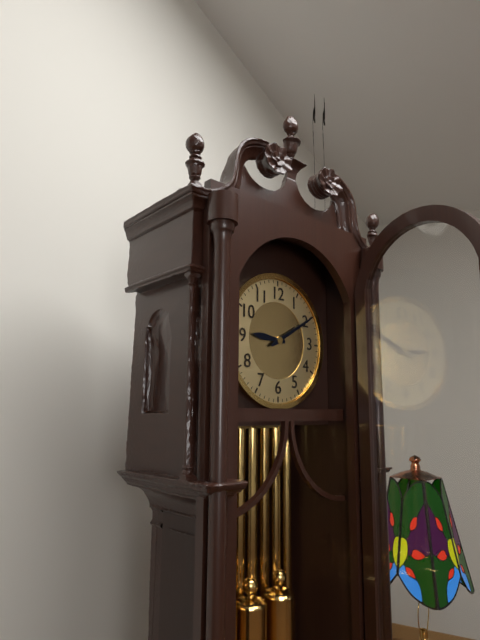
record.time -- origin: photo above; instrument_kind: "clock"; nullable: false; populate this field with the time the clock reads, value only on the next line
9:10
